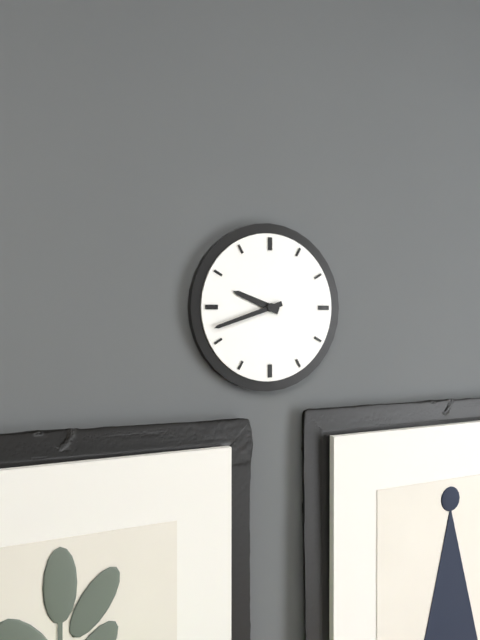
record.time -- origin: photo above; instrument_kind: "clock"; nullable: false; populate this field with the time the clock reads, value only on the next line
9:42
